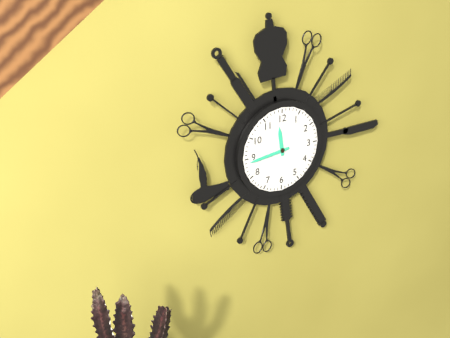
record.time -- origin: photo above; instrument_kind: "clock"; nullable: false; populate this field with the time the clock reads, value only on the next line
11:44
